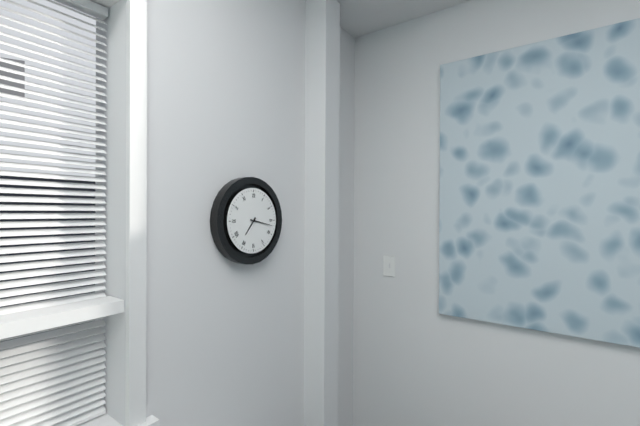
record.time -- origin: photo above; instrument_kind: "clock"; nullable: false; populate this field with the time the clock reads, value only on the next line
7:17
